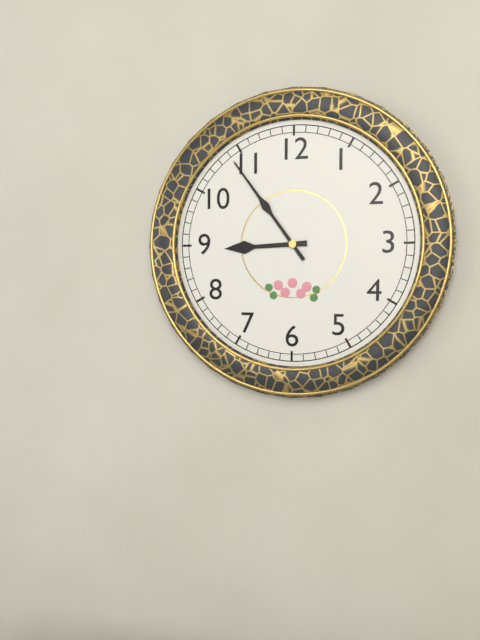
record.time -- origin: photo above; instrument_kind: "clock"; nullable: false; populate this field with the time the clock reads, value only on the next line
8:54
